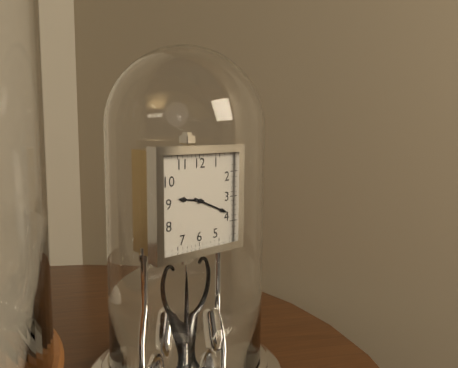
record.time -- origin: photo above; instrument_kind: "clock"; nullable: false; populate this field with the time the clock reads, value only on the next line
9:19
